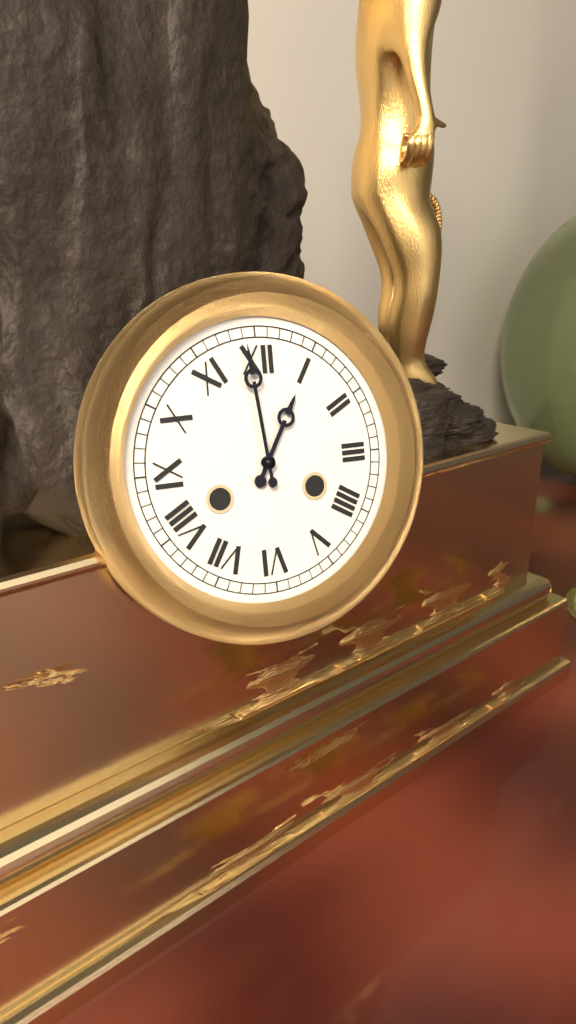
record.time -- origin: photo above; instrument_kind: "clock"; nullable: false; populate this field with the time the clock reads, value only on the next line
12:59
